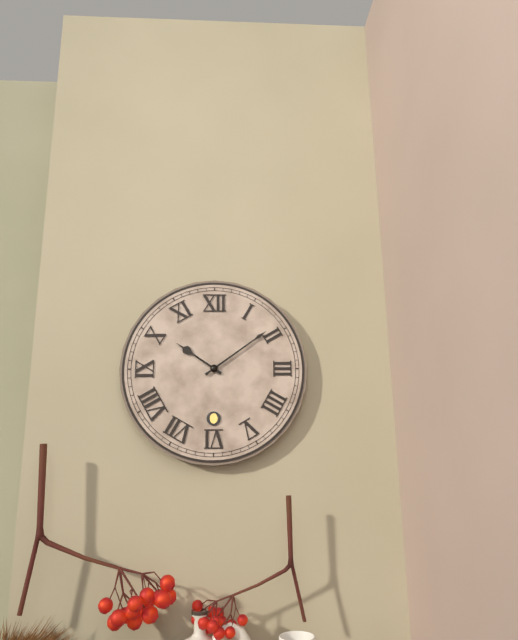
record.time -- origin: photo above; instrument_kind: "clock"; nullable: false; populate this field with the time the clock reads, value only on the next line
10:09
